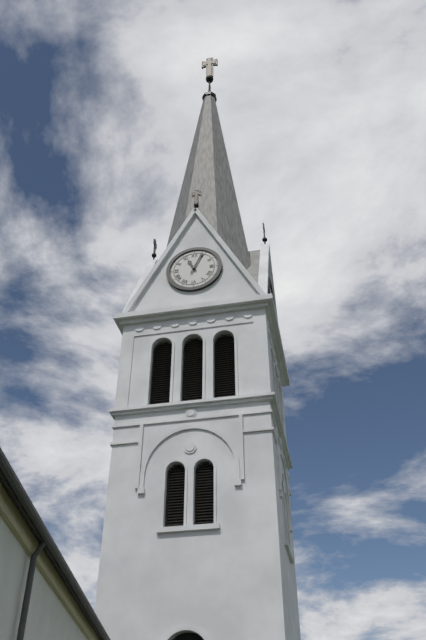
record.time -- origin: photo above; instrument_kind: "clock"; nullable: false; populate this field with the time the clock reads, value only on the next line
11:04
